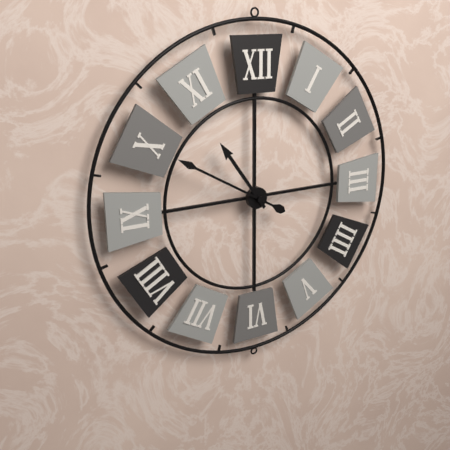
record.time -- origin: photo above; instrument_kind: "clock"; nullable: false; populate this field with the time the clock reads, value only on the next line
10:50
